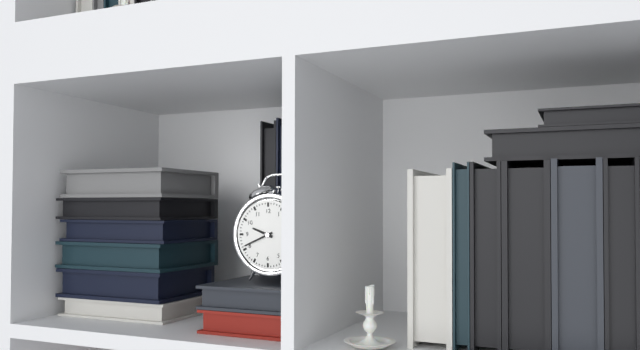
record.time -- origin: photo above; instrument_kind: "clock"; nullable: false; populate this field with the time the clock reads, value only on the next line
9:41
